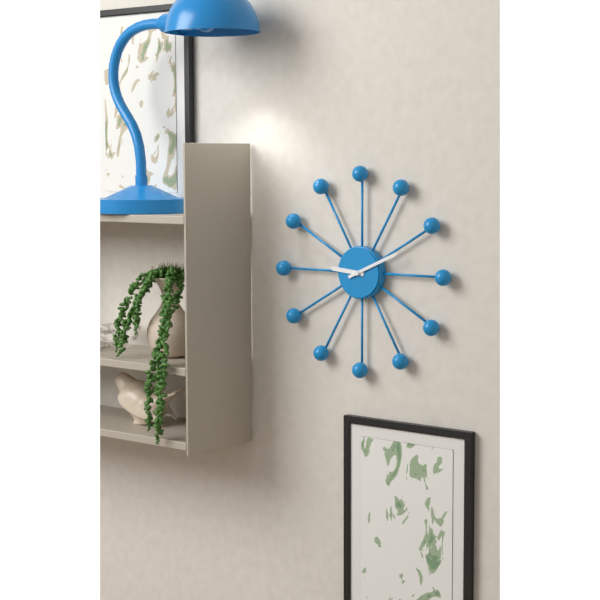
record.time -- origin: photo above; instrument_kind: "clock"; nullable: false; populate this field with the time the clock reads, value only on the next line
9:11
